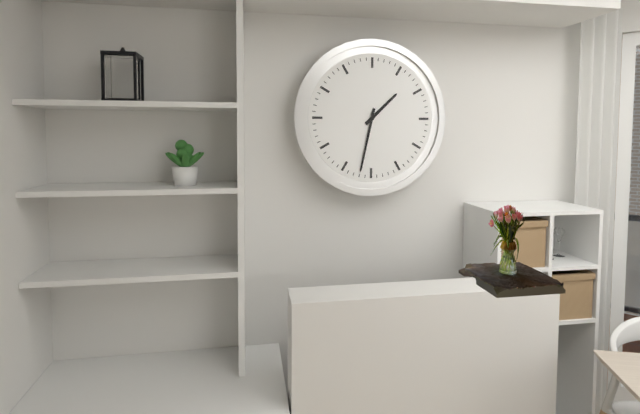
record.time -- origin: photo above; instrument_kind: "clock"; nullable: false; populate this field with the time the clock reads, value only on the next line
1:32
